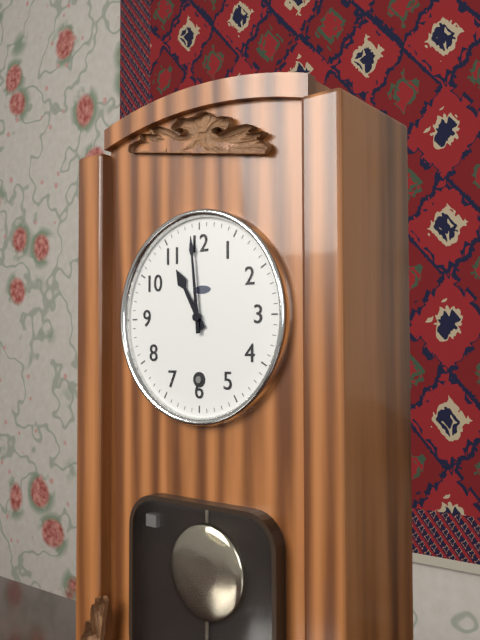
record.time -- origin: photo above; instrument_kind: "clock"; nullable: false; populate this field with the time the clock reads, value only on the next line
10:59
